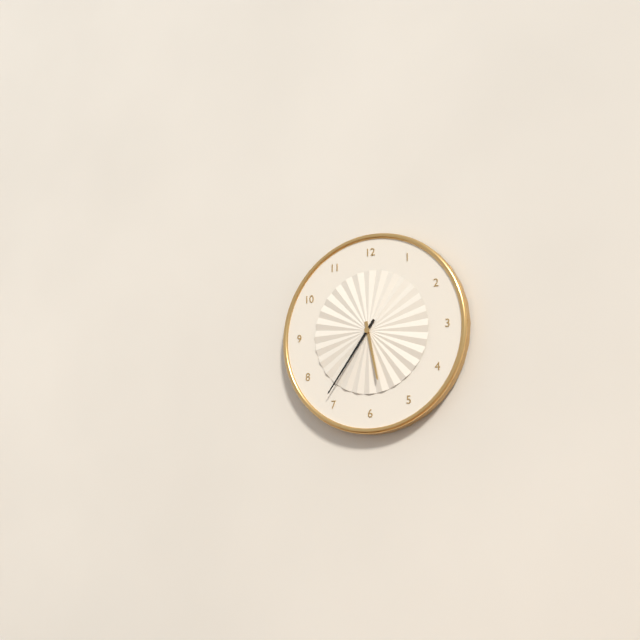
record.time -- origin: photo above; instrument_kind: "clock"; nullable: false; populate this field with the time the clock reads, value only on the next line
5:36
